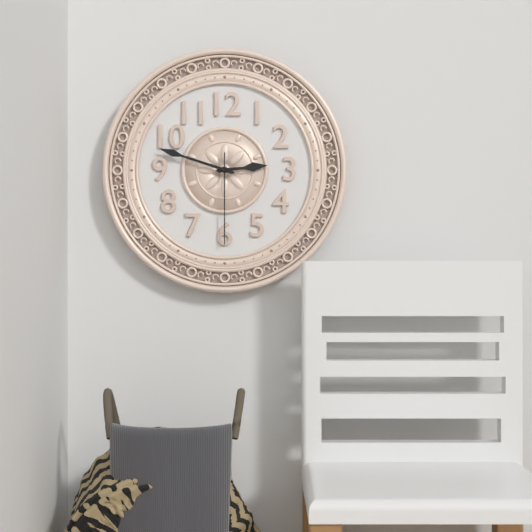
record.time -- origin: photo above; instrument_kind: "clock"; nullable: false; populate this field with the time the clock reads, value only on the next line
2:48:30
